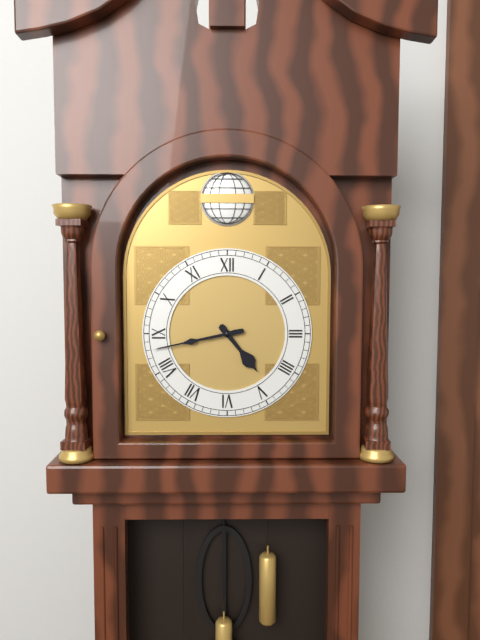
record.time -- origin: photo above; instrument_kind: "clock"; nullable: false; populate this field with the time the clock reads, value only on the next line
4:43
